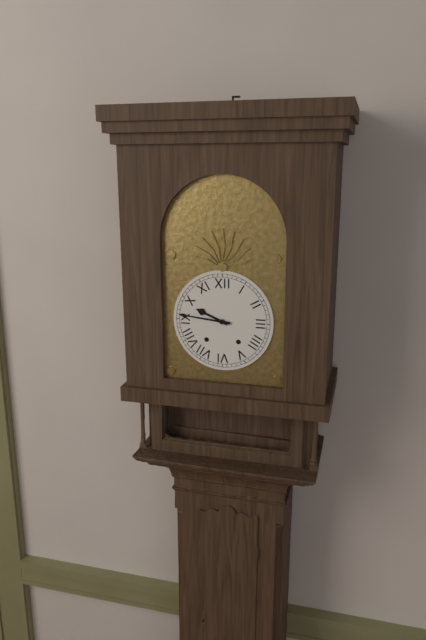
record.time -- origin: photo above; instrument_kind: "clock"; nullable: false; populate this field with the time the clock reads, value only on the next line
9:46
